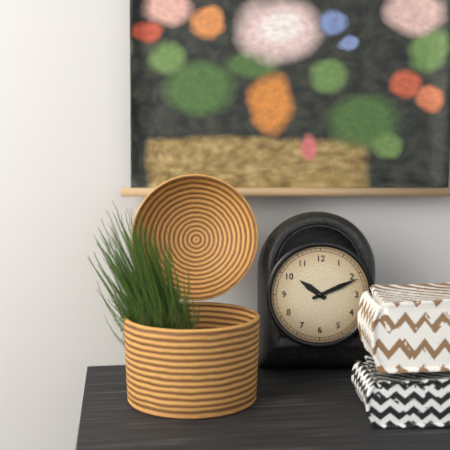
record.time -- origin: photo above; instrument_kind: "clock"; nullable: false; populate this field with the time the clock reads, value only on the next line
10:11
